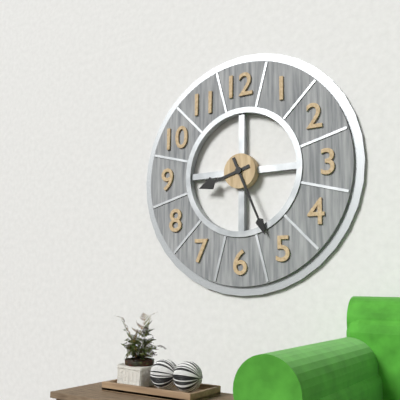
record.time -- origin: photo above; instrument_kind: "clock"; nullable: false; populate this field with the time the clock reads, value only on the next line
8:26
